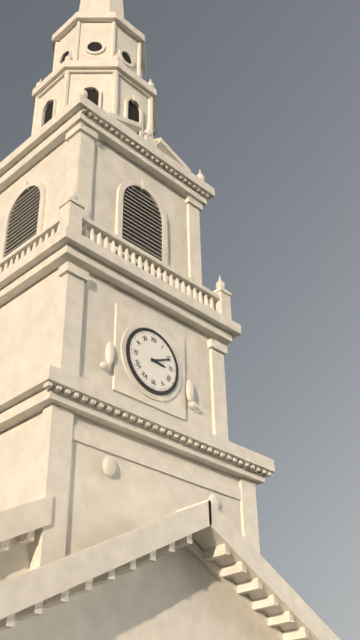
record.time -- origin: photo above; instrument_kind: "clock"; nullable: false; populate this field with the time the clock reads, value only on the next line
3:11
